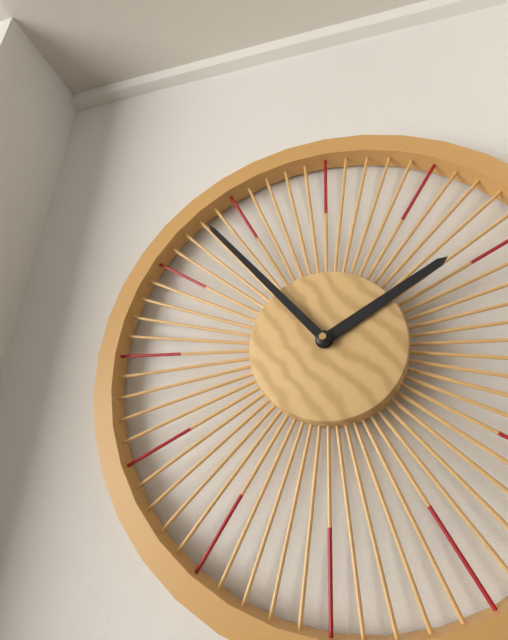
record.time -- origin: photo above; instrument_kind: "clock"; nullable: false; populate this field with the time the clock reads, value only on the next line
1:53
